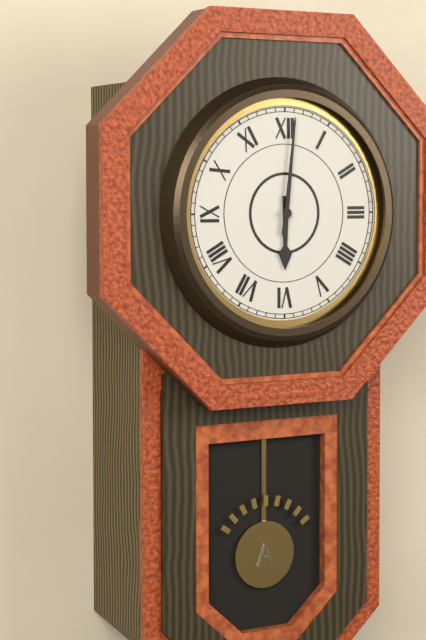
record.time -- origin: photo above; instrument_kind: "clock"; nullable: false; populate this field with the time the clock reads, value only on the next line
6:01
